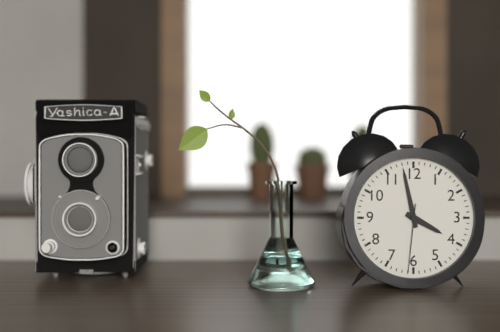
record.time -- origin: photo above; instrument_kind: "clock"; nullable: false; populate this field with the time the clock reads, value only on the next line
3:58:31
